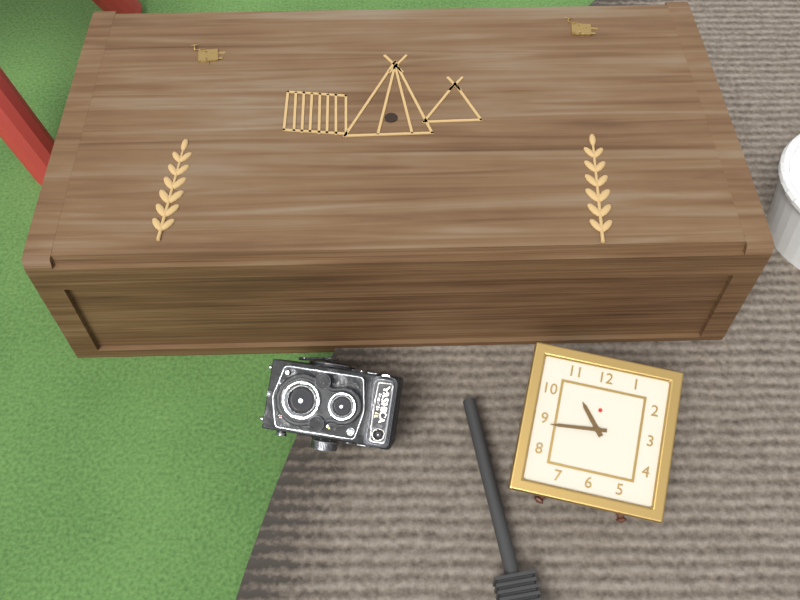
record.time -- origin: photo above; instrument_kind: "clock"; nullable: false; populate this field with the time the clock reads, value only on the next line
10:44
